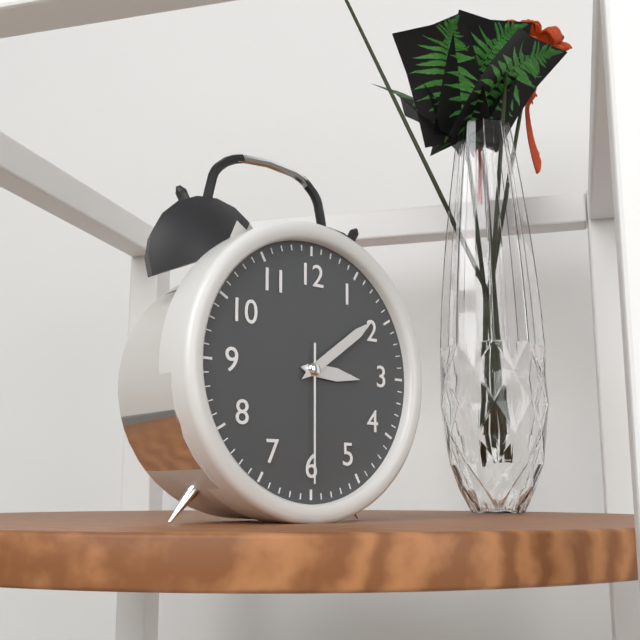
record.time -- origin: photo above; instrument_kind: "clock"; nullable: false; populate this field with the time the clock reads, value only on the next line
3:09:30
